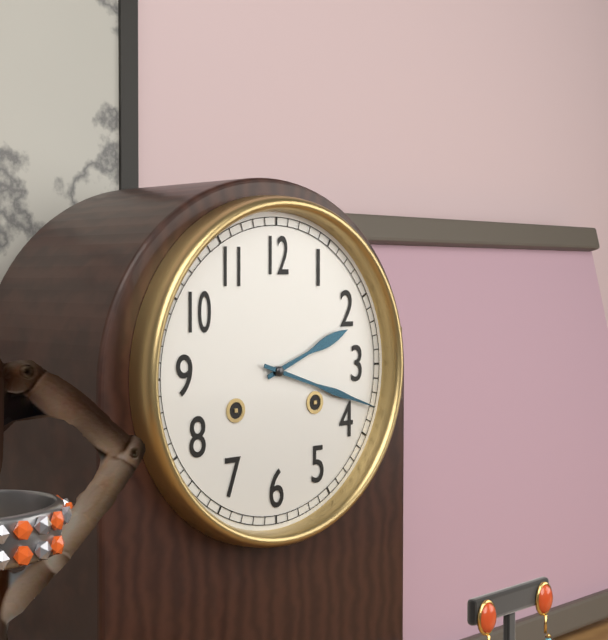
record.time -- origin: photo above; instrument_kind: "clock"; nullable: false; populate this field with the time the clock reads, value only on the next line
2:18
